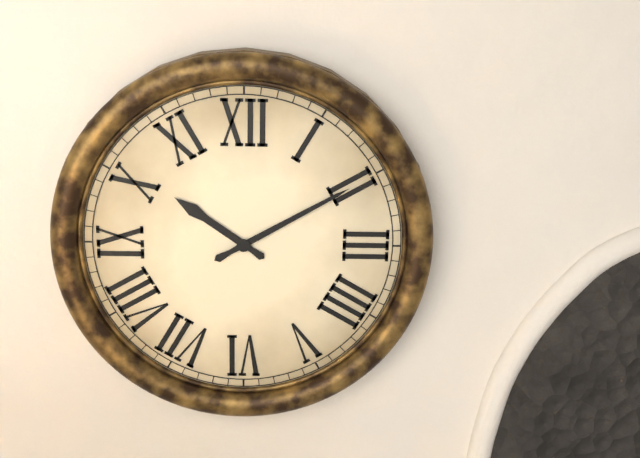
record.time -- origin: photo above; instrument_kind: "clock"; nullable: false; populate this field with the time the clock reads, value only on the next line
10:10
